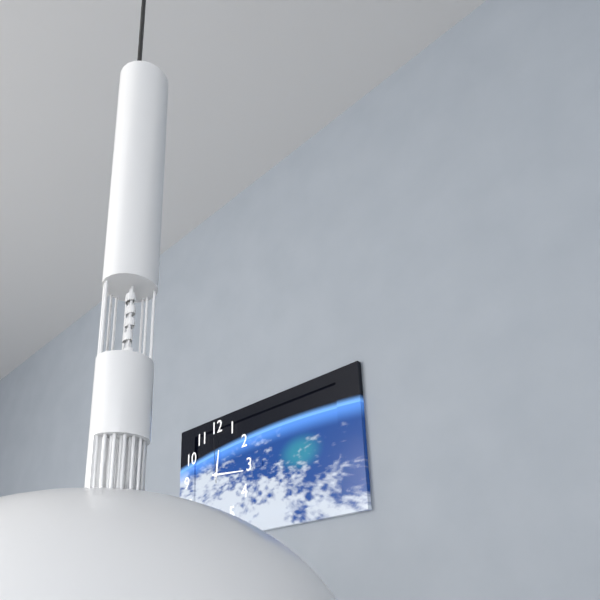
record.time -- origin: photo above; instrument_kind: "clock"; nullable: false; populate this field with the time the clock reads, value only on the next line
12:16
